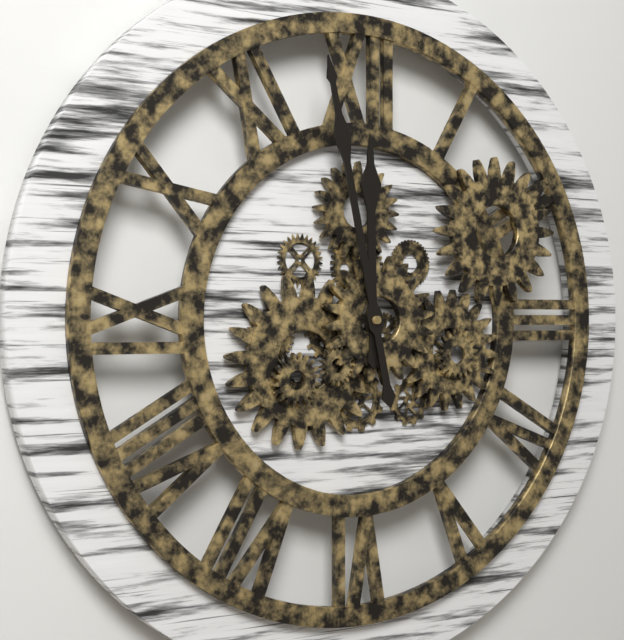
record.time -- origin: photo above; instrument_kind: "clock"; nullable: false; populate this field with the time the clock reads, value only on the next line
11:58
